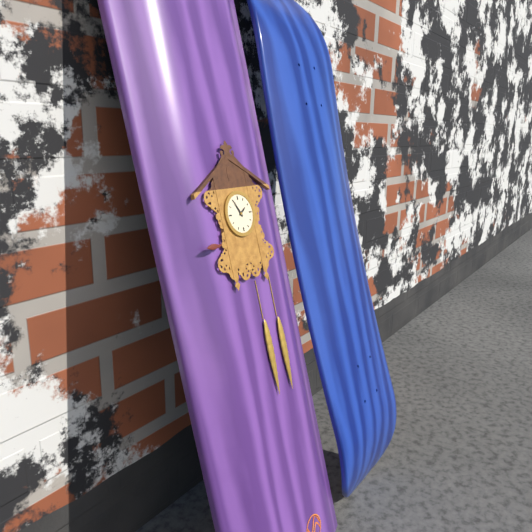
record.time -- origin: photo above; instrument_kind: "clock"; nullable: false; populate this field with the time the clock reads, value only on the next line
1:55
